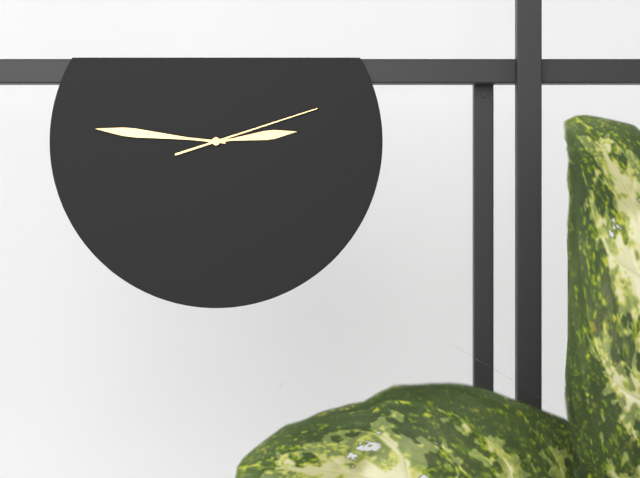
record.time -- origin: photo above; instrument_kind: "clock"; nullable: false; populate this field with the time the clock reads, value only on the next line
2:46:12
